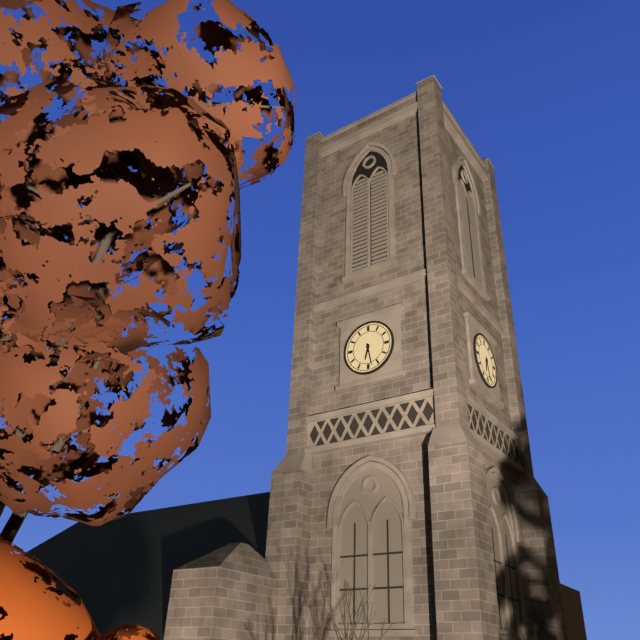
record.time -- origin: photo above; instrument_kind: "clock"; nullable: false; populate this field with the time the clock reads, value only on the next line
6:28
